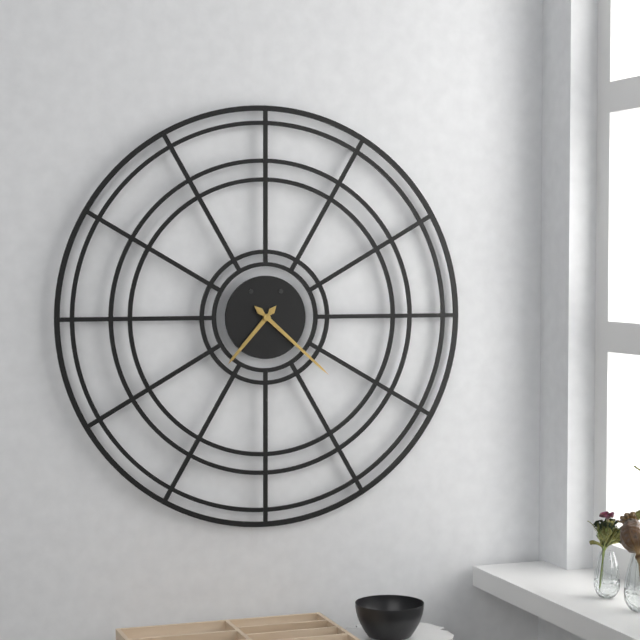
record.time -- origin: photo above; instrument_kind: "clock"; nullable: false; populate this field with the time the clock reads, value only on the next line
7:22
